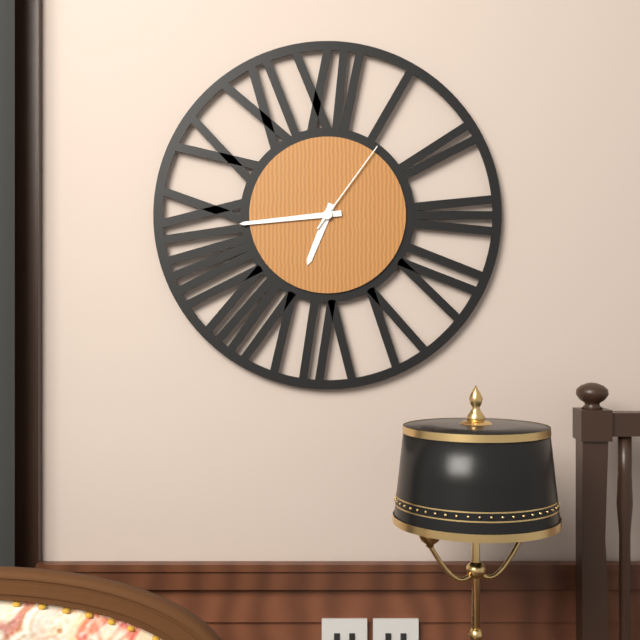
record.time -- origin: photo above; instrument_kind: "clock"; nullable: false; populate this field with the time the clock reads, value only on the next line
6:44:06
